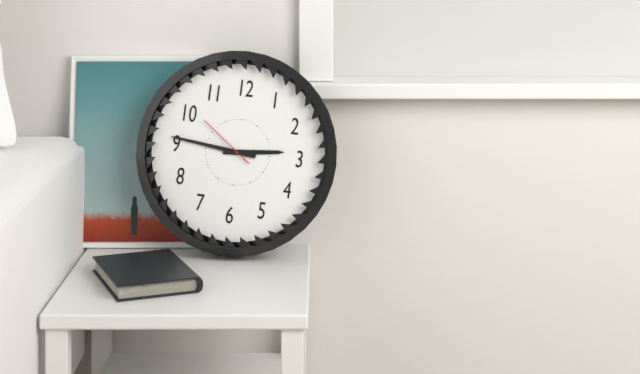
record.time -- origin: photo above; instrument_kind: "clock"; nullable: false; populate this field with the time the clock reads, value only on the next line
2:46:51
